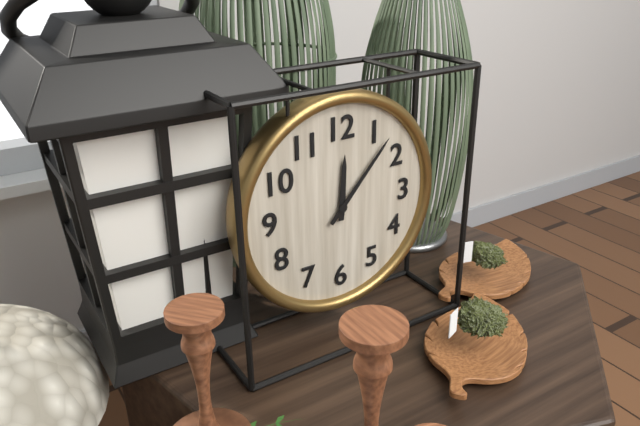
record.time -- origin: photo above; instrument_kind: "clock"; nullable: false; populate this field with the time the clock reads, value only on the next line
12:07
